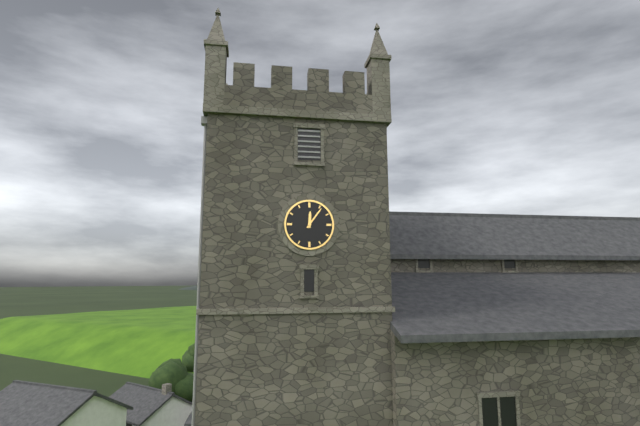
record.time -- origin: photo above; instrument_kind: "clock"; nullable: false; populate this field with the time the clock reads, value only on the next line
12:06
